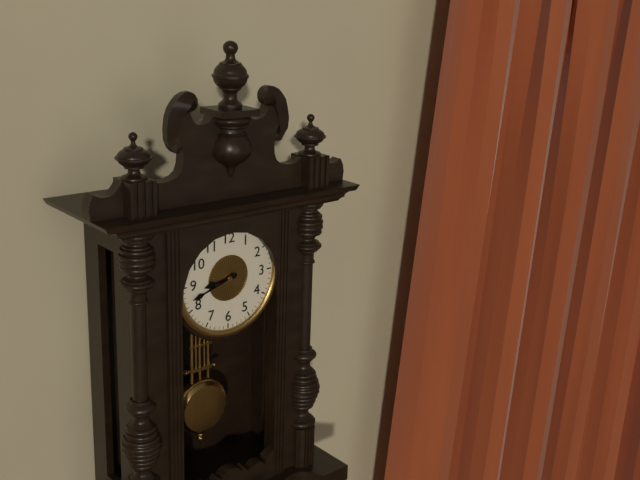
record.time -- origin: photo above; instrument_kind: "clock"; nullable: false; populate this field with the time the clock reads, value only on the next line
8:42
